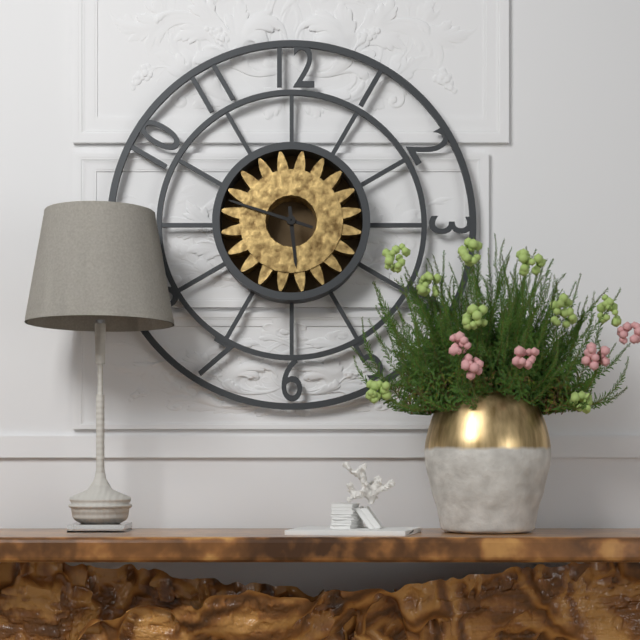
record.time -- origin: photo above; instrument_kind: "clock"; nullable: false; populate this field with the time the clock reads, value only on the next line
5:48
